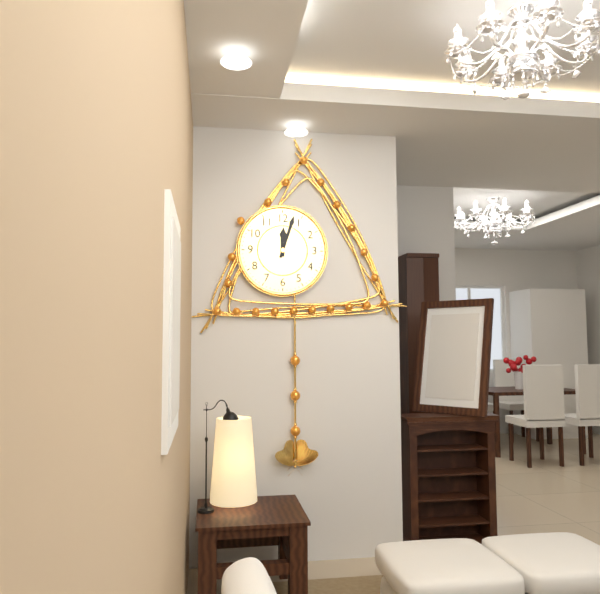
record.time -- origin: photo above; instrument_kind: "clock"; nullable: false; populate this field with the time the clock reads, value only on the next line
12:03
